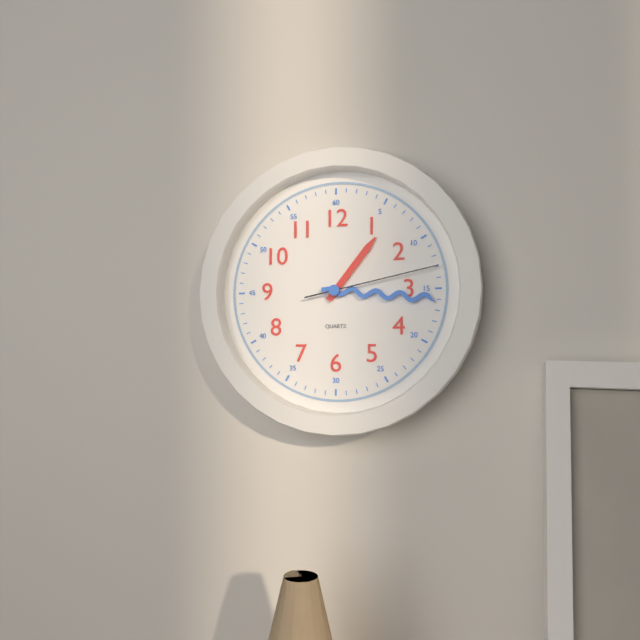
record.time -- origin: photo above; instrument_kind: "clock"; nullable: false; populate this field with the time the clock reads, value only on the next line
1:16:13
